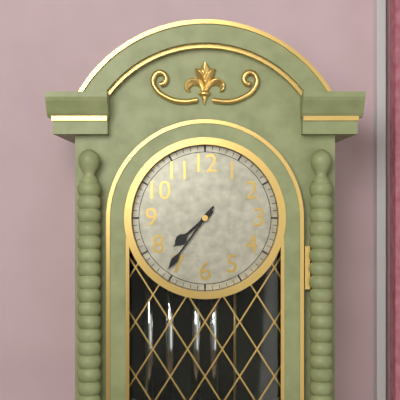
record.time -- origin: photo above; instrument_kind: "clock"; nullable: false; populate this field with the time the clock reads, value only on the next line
7:36
